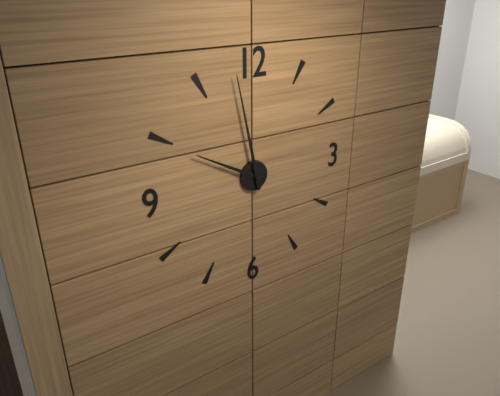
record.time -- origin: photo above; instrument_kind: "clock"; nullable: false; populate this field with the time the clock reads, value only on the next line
9:58
